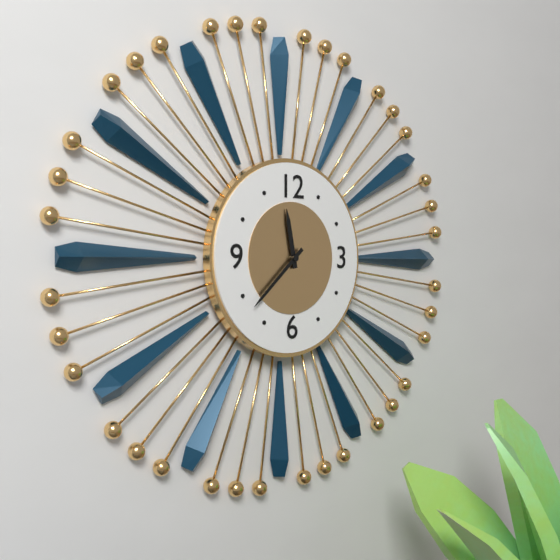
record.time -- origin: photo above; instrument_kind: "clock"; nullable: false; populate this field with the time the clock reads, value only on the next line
11:38
